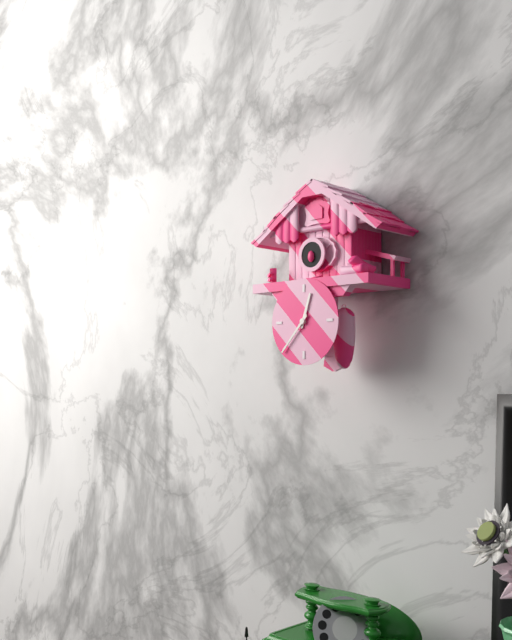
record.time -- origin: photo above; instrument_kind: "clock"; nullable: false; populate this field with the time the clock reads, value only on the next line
12:37
